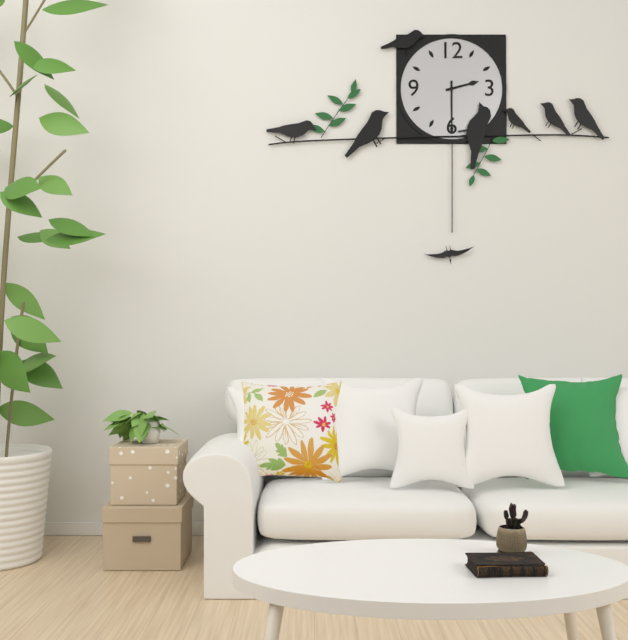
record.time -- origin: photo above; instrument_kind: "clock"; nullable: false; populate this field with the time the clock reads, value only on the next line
2:30
